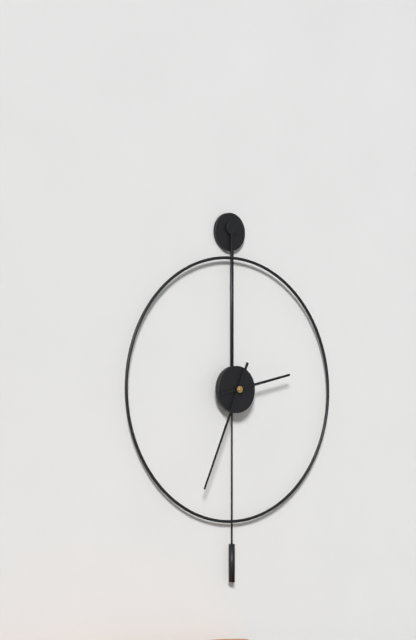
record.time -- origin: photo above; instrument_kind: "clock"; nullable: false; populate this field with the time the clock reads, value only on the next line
2:34
